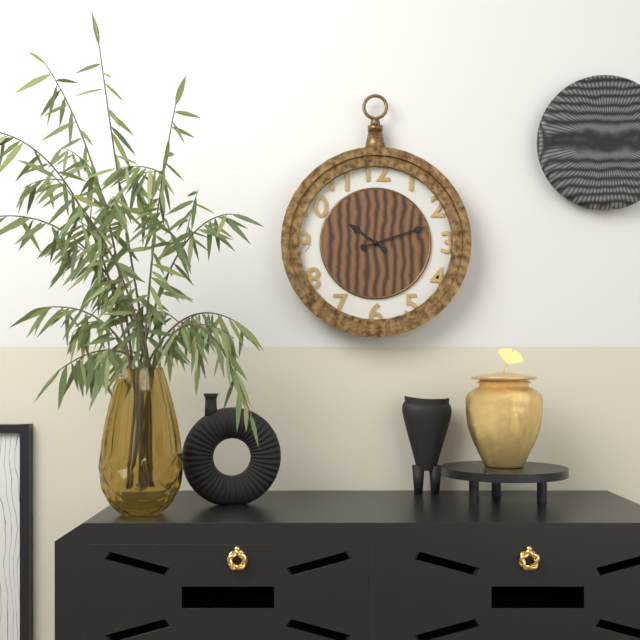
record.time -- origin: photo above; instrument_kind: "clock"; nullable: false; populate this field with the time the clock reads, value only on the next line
10:12
